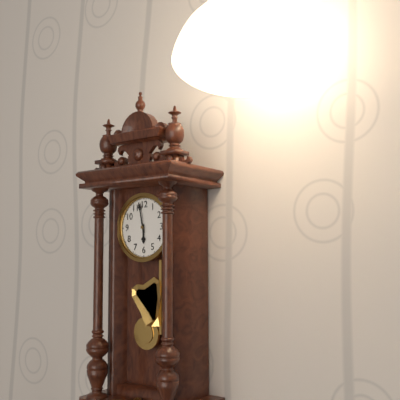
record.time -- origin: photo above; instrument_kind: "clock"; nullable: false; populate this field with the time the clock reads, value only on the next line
5:58
